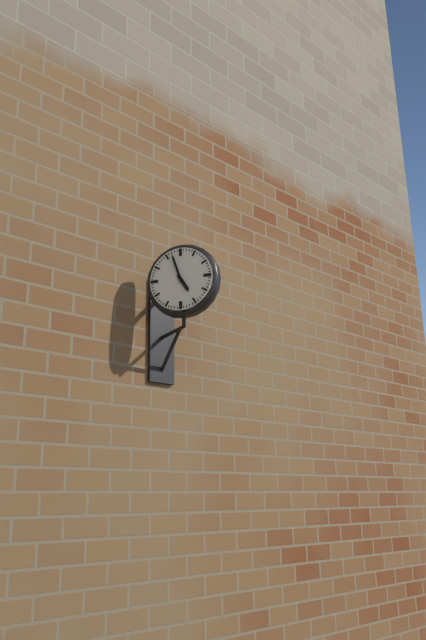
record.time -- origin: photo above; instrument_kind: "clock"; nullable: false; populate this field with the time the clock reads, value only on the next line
4:57
